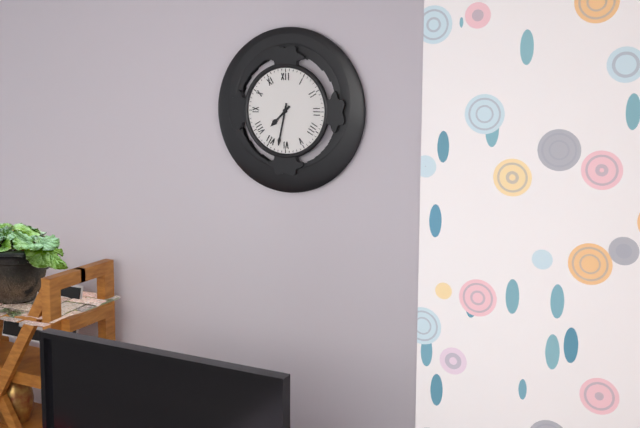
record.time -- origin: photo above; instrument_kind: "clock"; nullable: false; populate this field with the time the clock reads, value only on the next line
7:32
